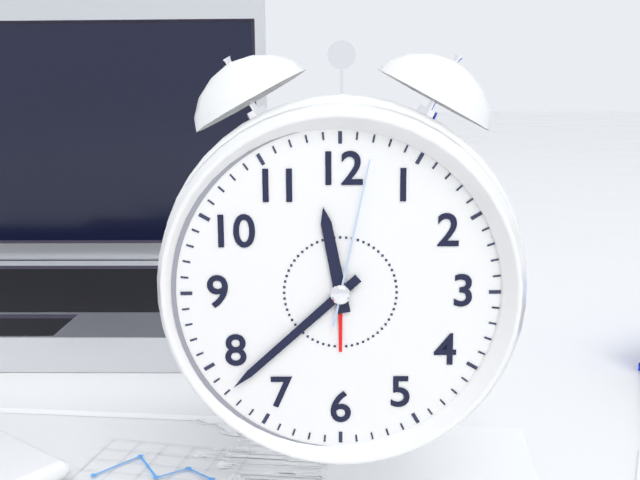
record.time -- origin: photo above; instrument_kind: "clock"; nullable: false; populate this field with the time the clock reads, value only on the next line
11:38:02
